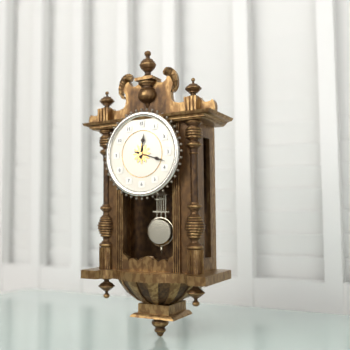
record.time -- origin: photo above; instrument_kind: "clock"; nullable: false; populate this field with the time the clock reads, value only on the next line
12:18
